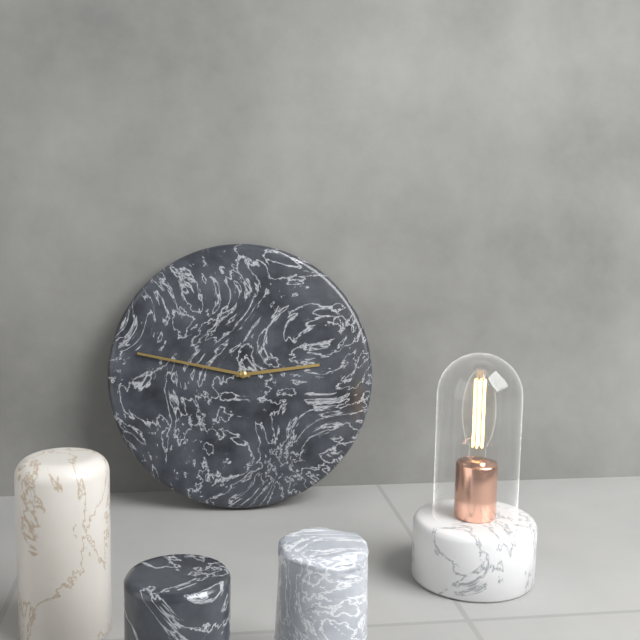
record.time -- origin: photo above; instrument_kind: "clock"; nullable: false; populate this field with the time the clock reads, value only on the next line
2:47
